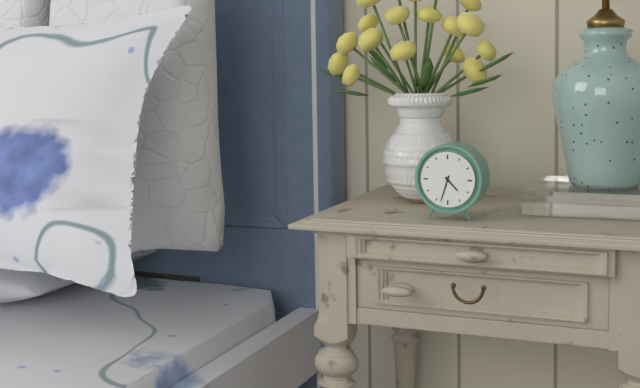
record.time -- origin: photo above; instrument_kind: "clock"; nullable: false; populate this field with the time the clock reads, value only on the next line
4:33
